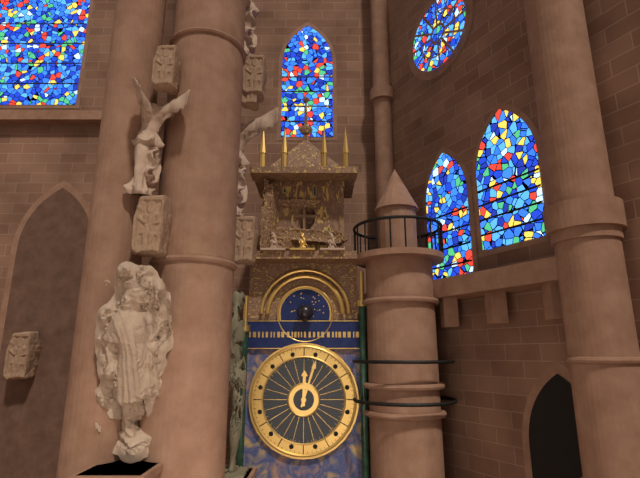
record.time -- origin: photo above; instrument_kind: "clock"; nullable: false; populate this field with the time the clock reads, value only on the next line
12:03
